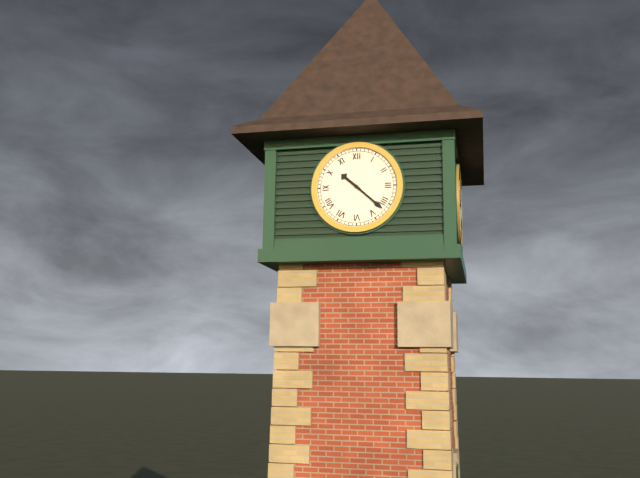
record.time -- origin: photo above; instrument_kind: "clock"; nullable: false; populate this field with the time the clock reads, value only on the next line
10:22
